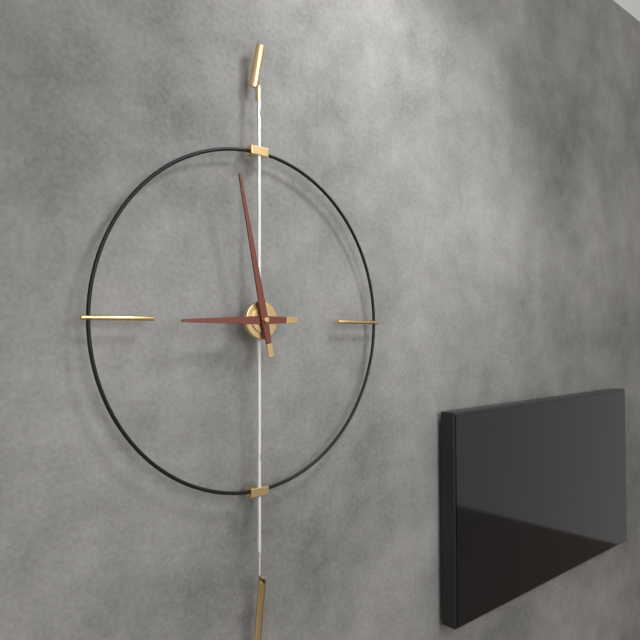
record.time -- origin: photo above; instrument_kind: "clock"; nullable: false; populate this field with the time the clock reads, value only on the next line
8:58
